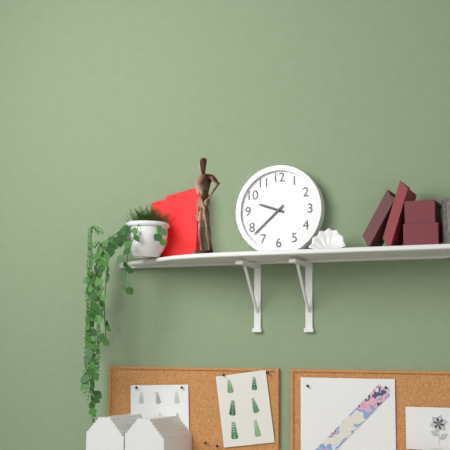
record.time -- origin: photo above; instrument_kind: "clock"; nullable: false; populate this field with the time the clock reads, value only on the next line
9:38
